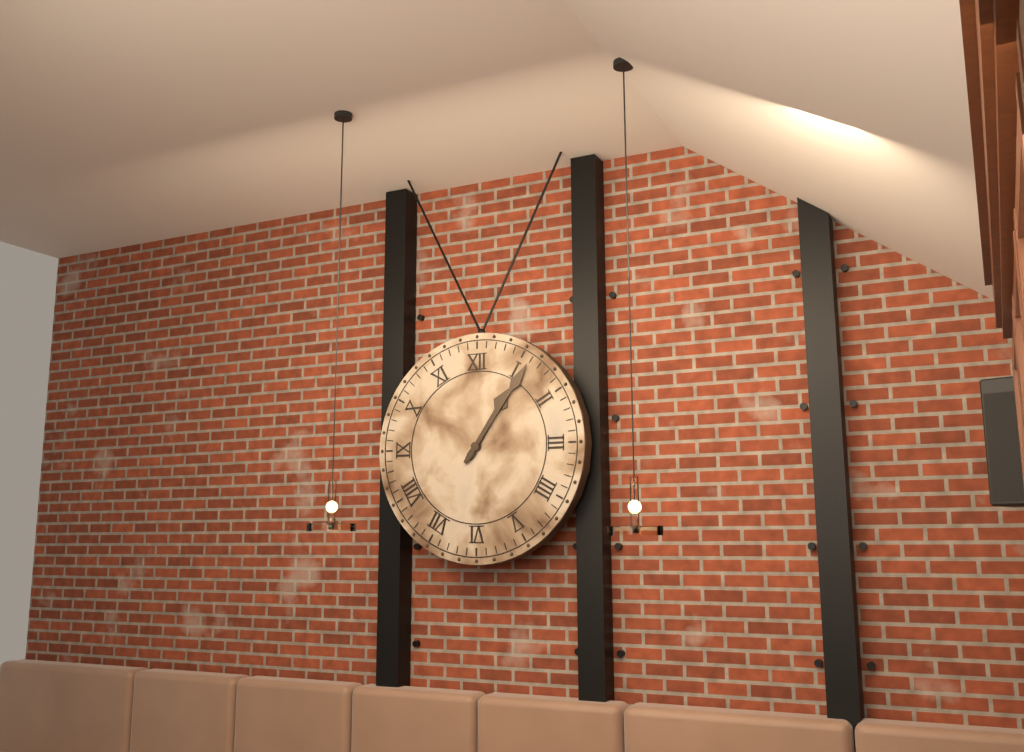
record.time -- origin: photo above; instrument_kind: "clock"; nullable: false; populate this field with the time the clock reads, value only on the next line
1:06
